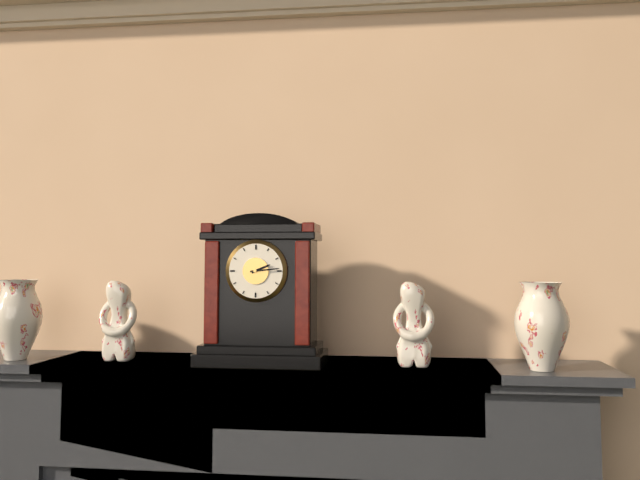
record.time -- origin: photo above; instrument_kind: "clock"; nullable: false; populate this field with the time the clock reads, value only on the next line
2:14
